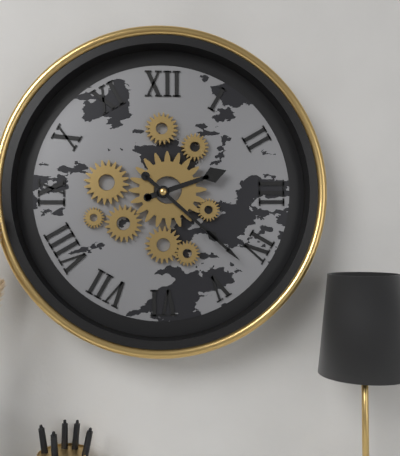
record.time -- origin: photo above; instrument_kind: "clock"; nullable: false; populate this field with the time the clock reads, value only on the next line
2:22
